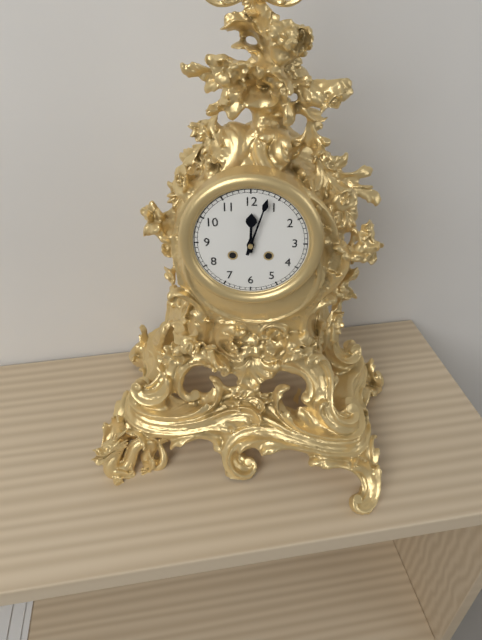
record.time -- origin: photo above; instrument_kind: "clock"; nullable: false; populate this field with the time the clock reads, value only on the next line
12:03
